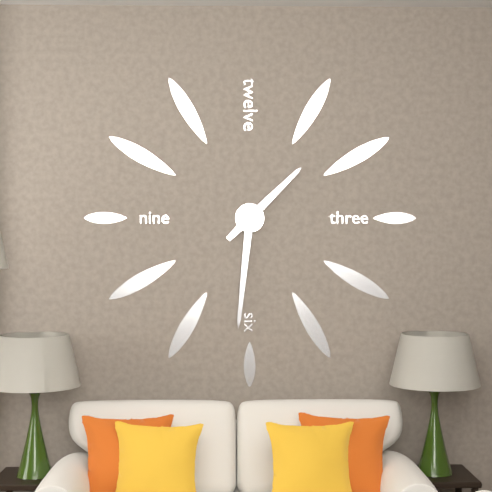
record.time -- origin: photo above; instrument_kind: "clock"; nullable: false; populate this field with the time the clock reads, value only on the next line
1:31
